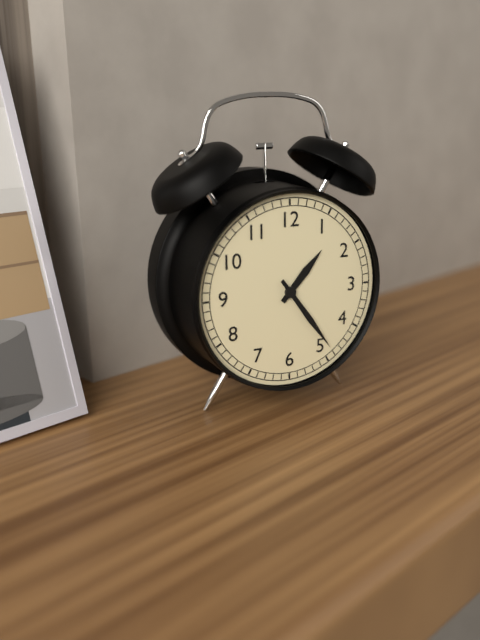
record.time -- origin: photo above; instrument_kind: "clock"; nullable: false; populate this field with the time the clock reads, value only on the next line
1:24
